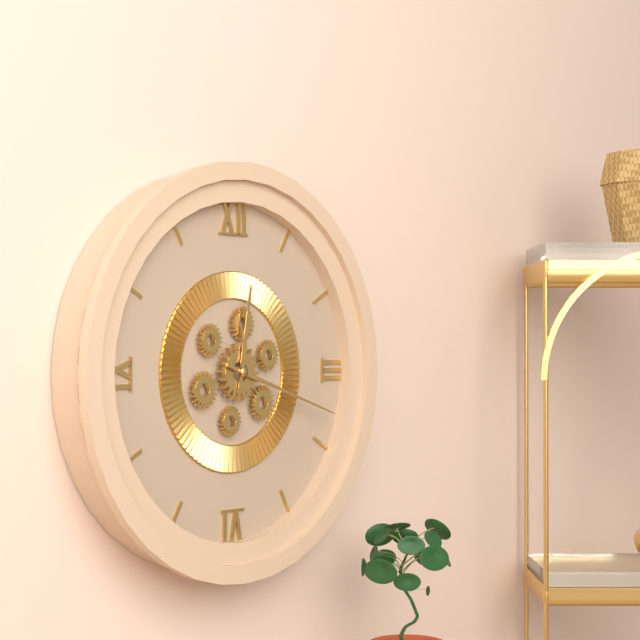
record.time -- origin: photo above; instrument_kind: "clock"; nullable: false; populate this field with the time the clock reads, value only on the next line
12:18
